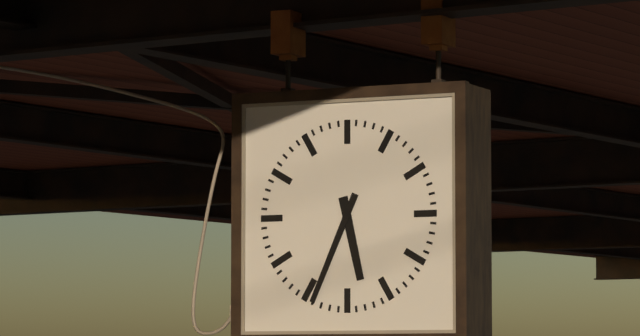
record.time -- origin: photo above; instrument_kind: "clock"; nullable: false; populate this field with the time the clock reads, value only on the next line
5:34
